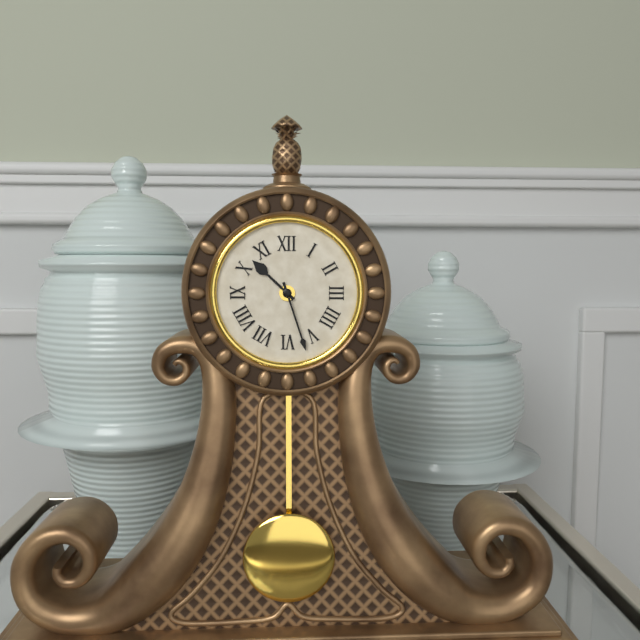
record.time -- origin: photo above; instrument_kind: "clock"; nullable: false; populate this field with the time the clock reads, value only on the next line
10:27
